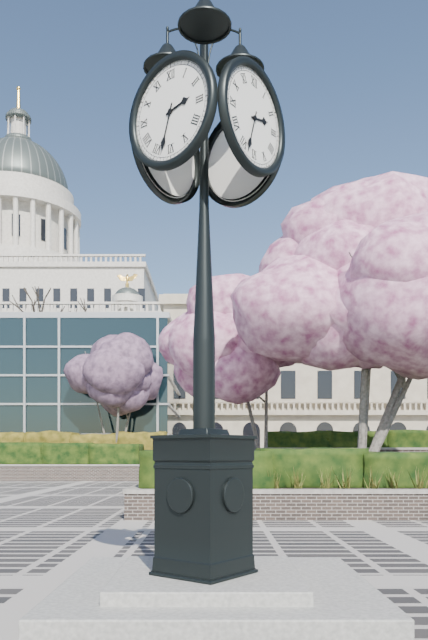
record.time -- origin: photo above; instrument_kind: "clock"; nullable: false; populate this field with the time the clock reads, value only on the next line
2:33
